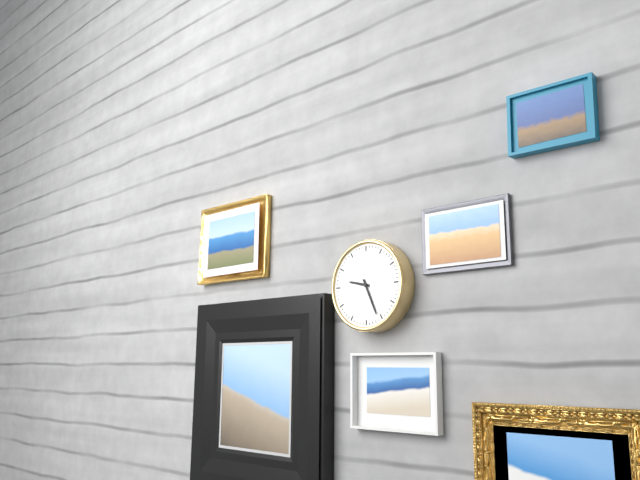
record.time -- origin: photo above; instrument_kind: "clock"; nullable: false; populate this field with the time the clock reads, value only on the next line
9:26
